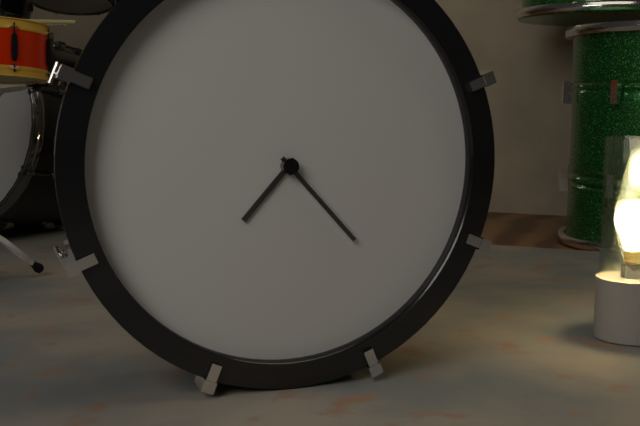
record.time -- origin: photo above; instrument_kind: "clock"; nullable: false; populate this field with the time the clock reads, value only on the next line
7:23
